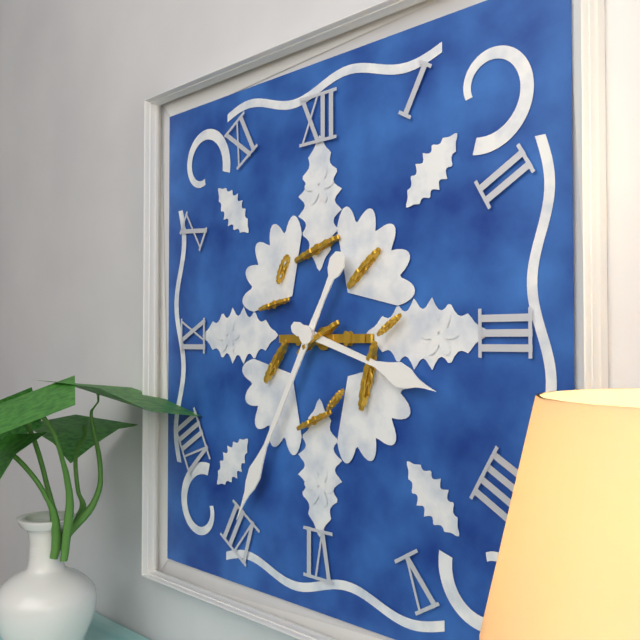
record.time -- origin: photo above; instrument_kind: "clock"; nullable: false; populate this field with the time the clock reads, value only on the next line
3:35
